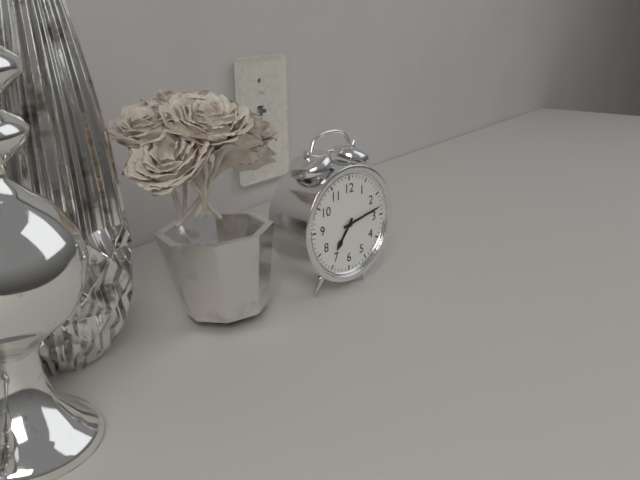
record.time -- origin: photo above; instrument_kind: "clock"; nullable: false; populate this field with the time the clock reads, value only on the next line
7:13
